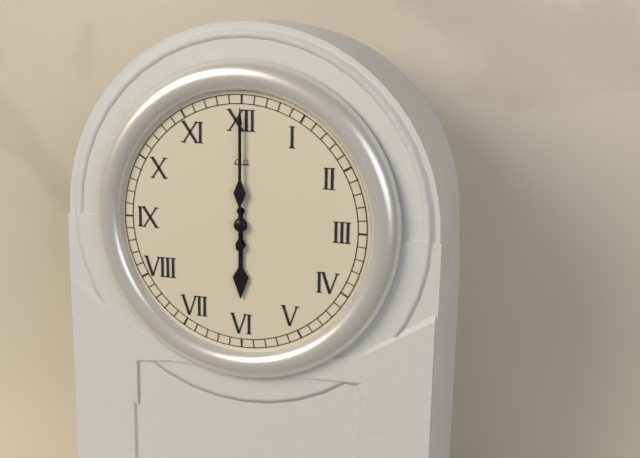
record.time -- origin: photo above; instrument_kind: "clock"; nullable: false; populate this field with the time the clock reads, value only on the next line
6:00
